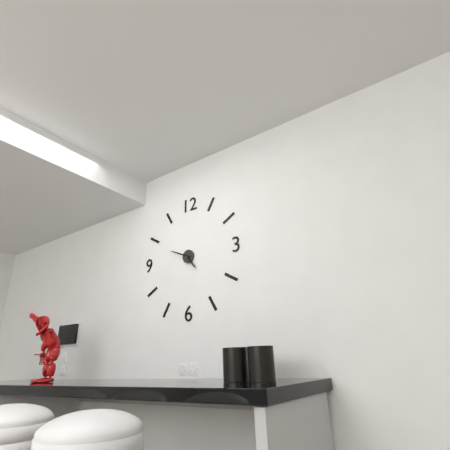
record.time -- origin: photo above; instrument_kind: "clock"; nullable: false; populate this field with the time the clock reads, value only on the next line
4:49
